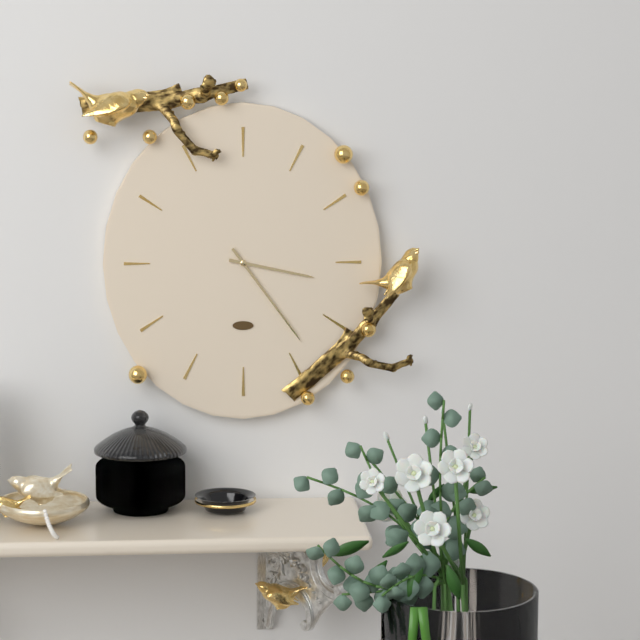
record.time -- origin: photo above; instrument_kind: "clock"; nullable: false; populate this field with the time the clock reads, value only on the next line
3:24
